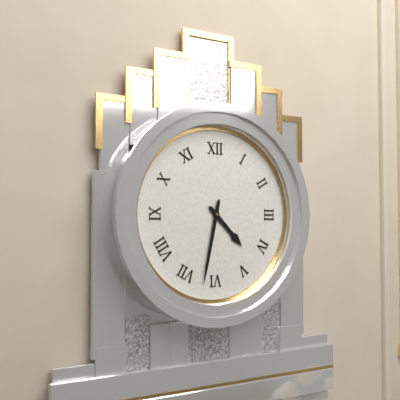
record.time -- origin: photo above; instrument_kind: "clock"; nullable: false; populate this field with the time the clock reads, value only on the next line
4:32
